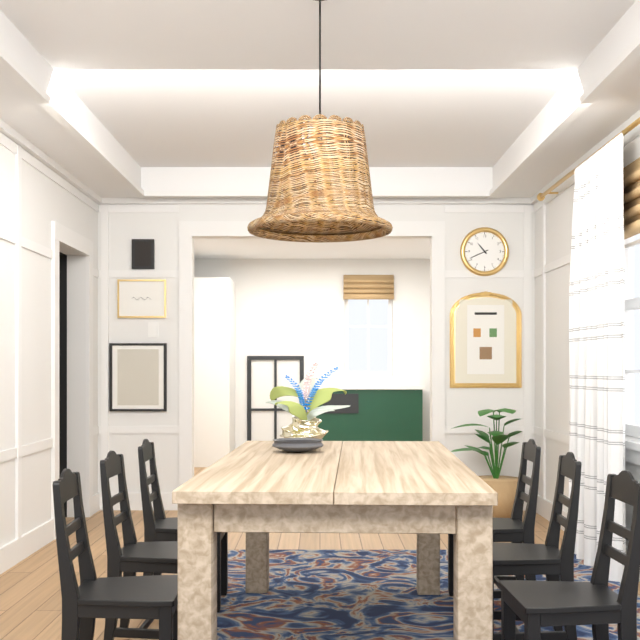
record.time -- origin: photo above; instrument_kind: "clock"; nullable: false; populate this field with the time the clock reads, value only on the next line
10:41
